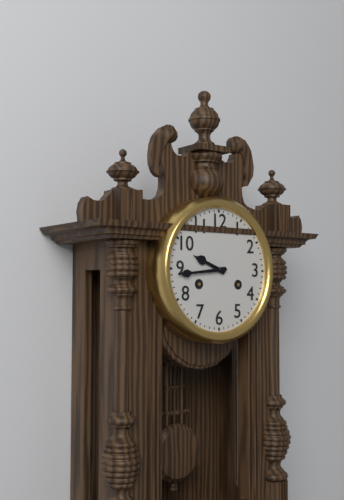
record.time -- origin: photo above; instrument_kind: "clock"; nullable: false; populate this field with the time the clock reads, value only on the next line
9:44
